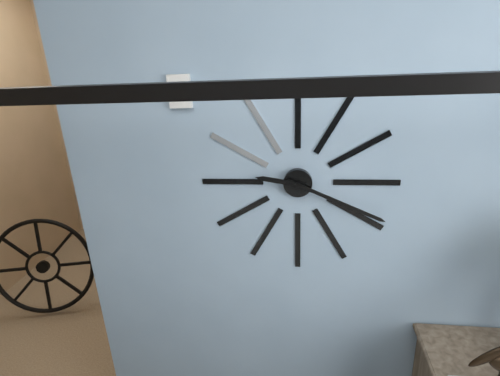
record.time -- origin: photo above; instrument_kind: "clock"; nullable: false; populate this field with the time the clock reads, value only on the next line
9:19
